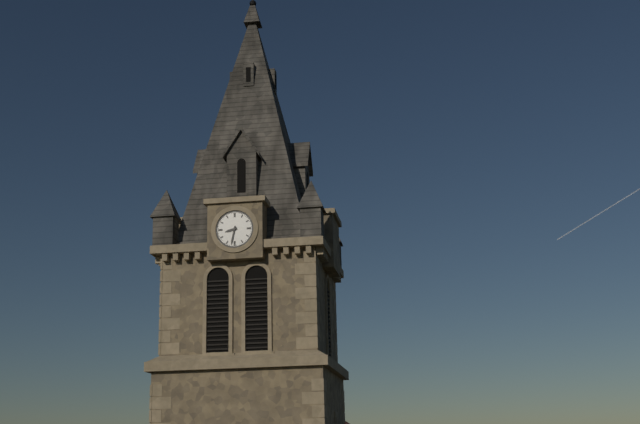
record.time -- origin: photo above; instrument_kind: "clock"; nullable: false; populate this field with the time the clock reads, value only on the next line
8:32
